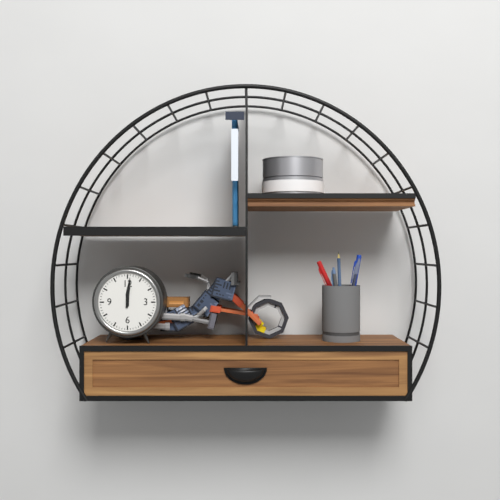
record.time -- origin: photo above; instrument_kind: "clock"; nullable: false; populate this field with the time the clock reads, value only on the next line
12:01
